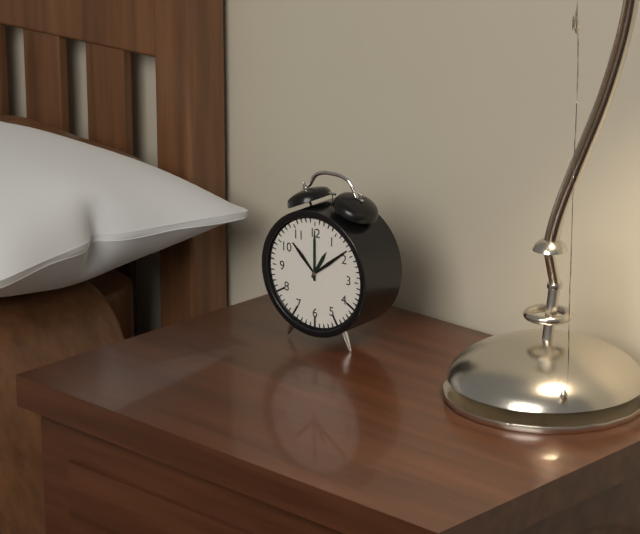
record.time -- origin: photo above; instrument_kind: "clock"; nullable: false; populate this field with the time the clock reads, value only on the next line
1:00
